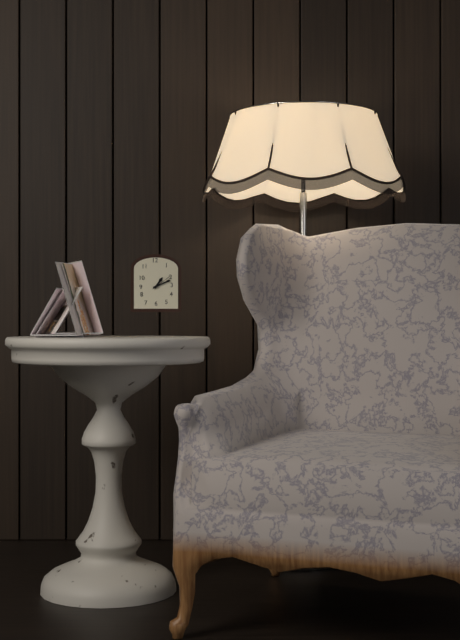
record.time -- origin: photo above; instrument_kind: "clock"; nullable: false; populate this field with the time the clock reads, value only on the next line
1:11
